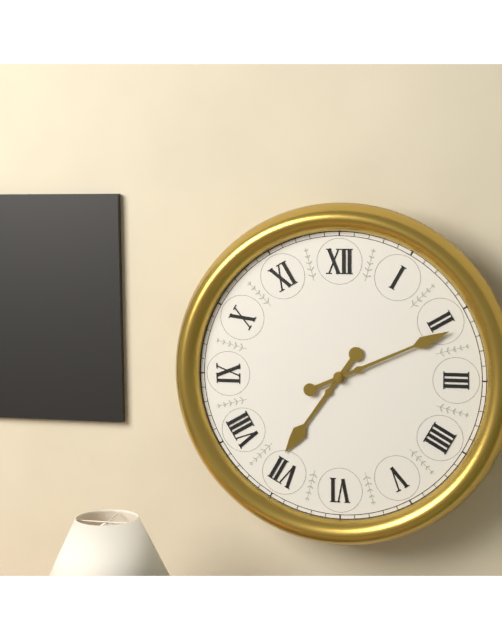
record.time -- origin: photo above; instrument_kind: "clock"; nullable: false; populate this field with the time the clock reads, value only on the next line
7:11
